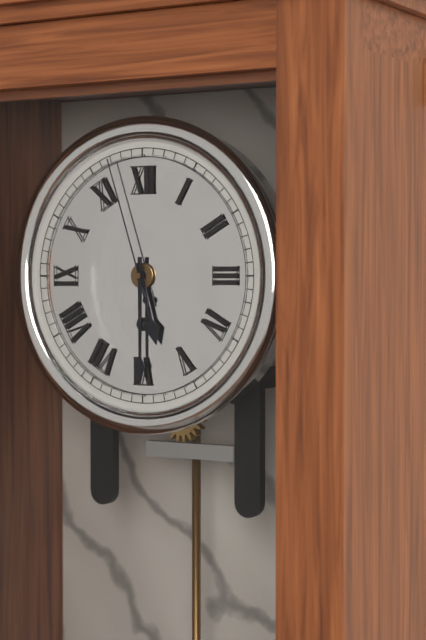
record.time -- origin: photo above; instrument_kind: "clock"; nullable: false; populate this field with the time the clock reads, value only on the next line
5:30:57
